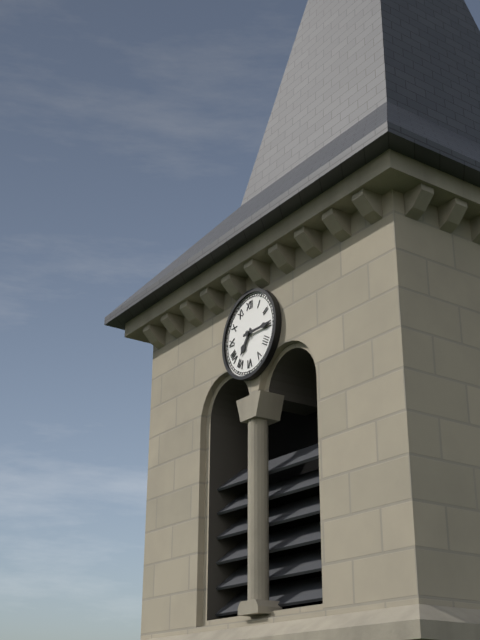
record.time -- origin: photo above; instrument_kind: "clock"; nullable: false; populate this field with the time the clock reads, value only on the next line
7:15
